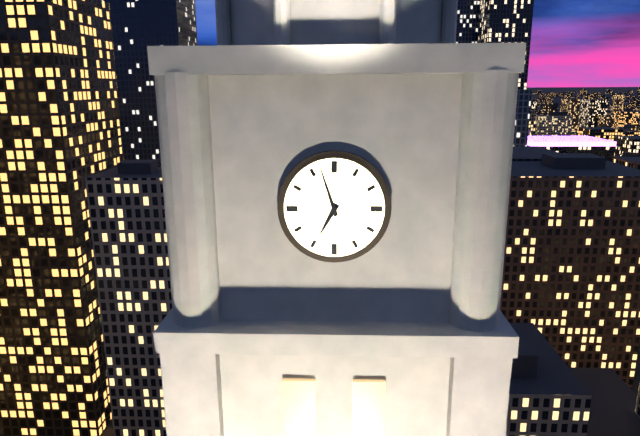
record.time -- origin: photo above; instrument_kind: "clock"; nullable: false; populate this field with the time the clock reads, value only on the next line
6:57
